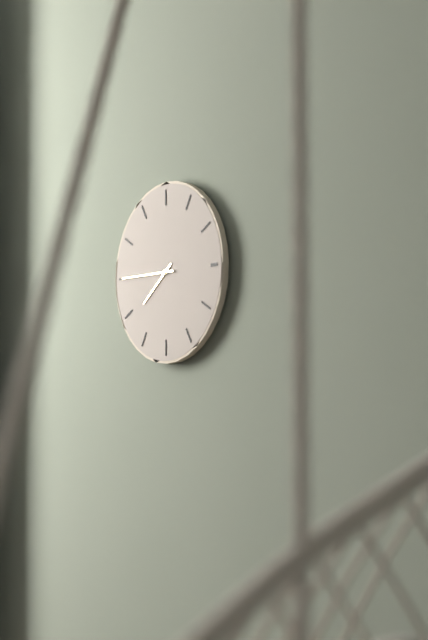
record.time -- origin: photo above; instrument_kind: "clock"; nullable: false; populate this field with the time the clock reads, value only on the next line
7:45
